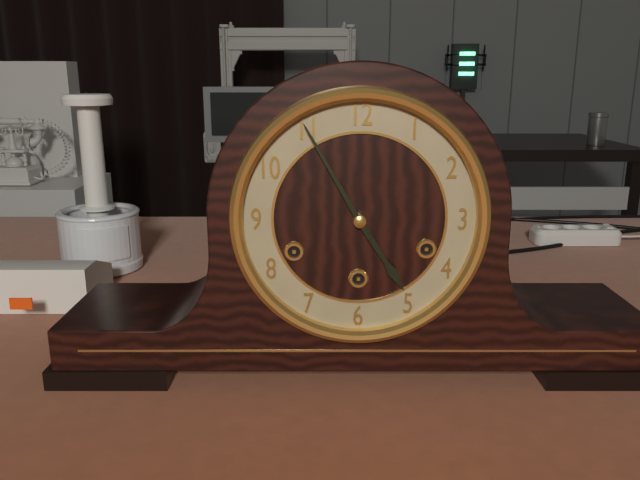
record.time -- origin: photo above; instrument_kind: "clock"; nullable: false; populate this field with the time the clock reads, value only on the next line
4:55
